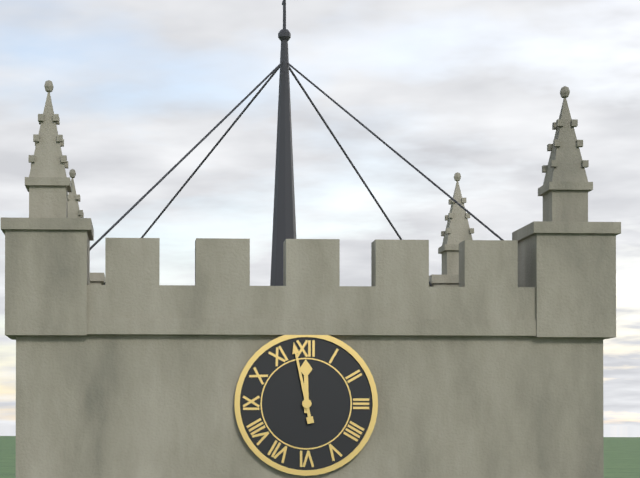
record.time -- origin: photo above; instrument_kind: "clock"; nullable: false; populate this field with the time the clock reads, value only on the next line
11:58
